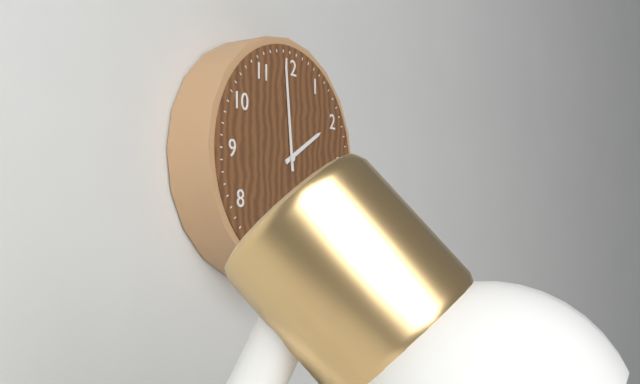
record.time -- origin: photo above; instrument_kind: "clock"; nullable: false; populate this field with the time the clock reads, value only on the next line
1:59
